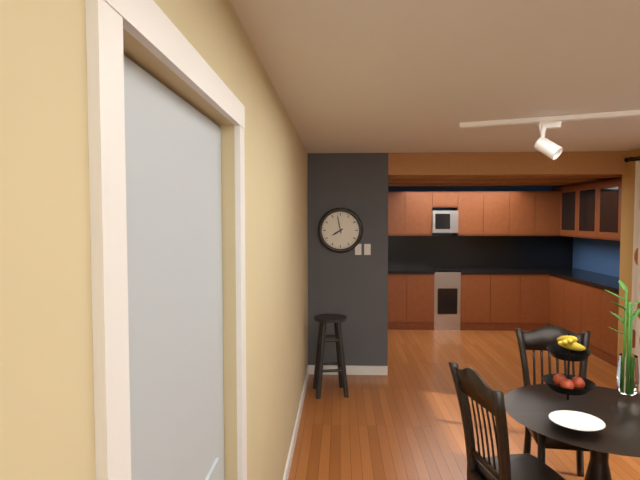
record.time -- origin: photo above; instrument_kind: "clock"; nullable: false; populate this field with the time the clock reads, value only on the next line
7:58
